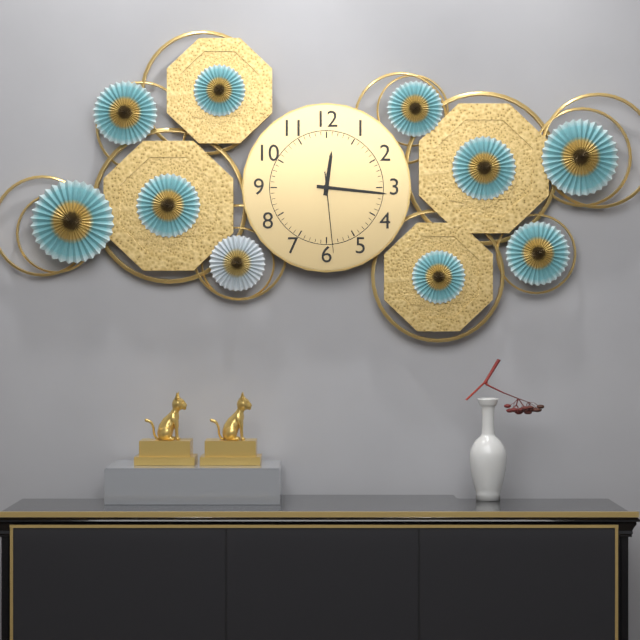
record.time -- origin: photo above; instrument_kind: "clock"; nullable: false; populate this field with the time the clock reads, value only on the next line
12:16:29
